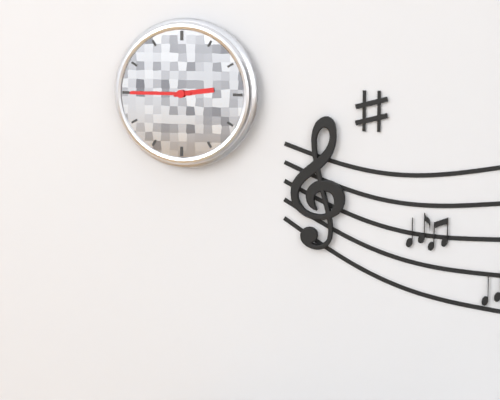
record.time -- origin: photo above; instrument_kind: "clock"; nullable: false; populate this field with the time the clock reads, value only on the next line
2:45
